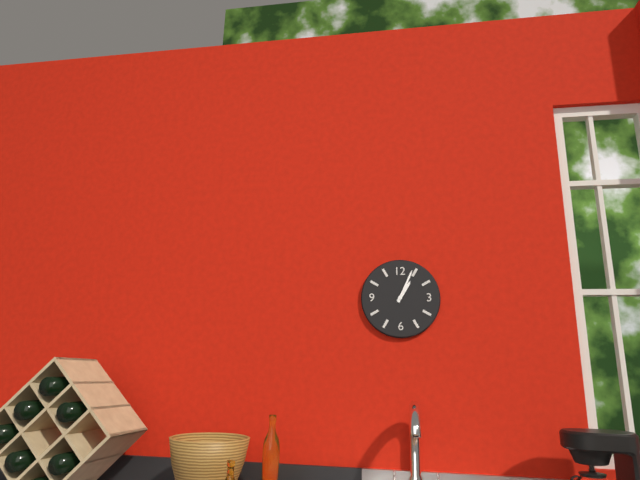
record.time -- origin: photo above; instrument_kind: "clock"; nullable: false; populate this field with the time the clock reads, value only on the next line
1:04
